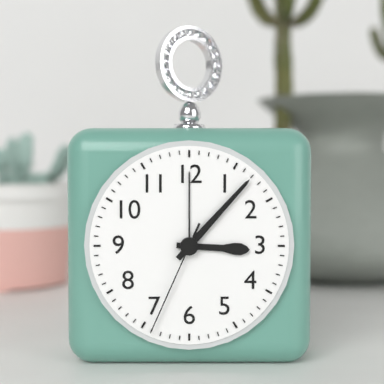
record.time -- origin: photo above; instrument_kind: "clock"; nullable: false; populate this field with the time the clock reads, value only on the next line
3:07:34
